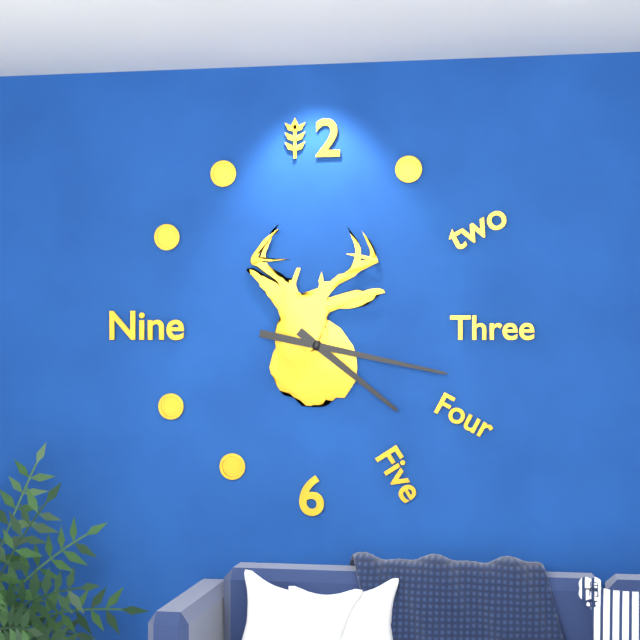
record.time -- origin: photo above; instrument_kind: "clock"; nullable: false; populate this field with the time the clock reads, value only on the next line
4:17
